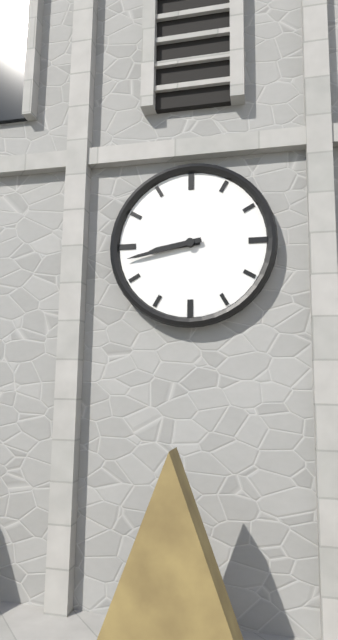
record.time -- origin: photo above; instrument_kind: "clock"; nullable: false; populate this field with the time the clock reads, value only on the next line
8:43
